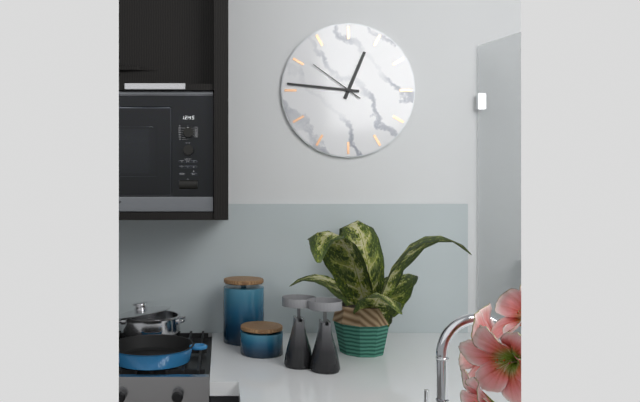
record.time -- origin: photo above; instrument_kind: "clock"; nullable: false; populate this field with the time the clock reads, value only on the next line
12:46:51
